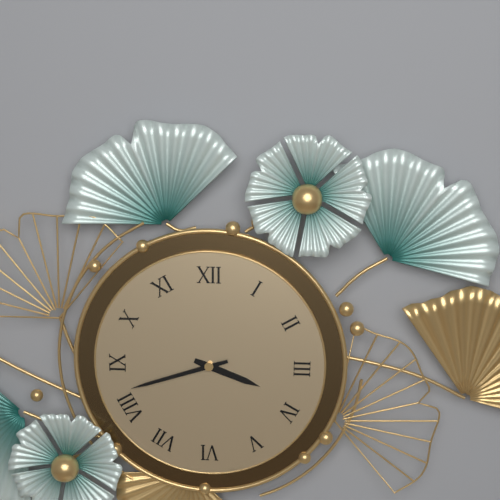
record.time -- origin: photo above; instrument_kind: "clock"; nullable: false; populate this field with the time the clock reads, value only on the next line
3:42
